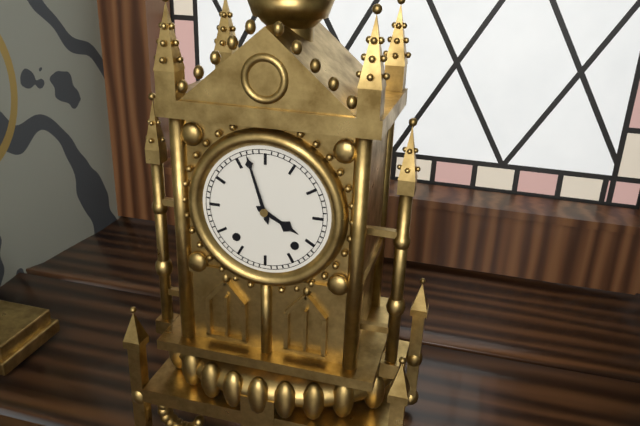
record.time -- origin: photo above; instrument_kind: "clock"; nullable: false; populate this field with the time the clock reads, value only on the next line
3:57
